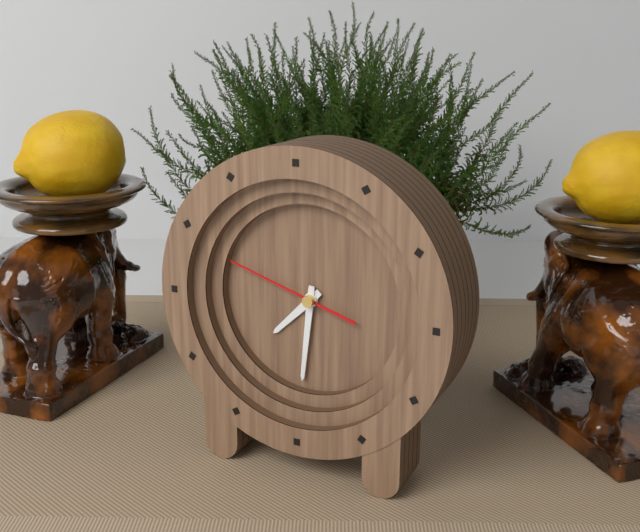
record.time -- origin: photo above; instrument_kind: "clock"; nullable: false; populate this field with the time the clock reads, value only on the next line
7:31:48
